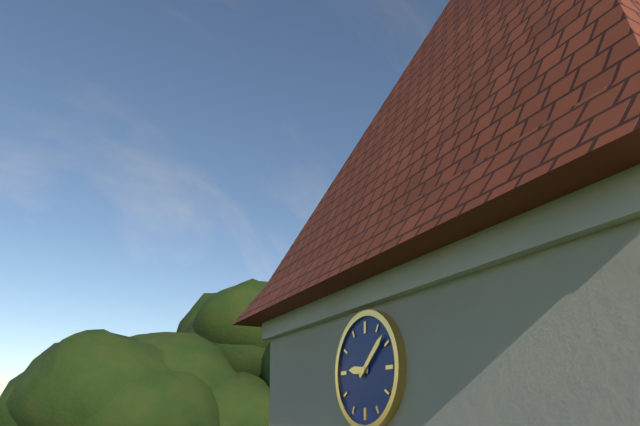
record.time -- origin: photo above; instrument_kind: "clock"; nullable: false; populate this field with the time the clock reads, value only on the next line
9:08
